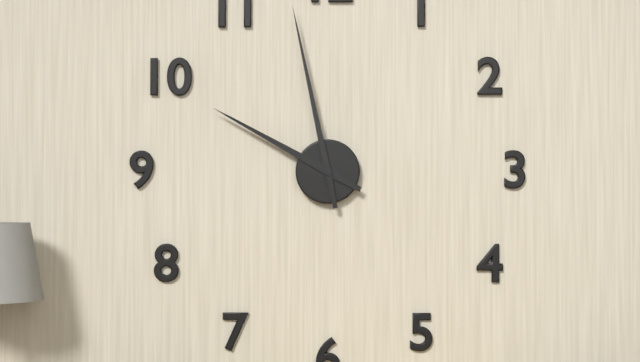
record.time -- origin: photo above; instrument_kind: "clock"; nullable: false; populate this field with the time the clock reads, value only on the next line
9:58
